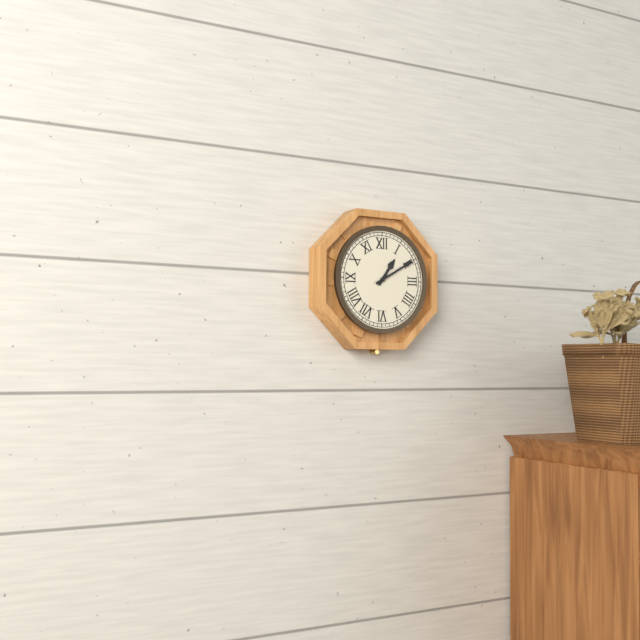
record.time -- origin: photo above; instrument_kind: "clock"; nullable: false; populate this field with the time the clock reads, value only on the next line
1:10
